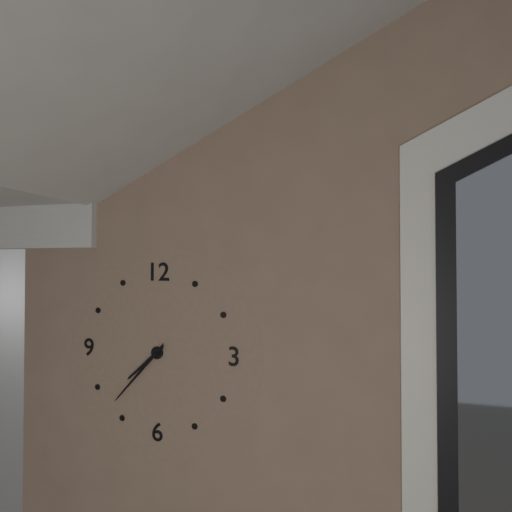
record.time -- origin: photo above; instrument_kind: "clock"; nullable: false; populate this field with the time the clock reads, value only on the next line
7:37
